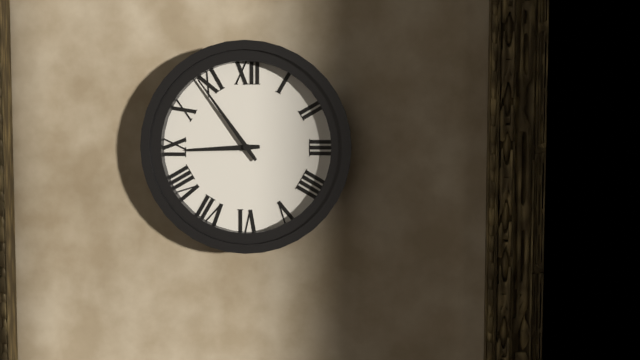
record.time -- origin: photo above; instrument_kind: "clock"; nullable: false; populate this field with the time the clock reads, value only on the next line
8:54
